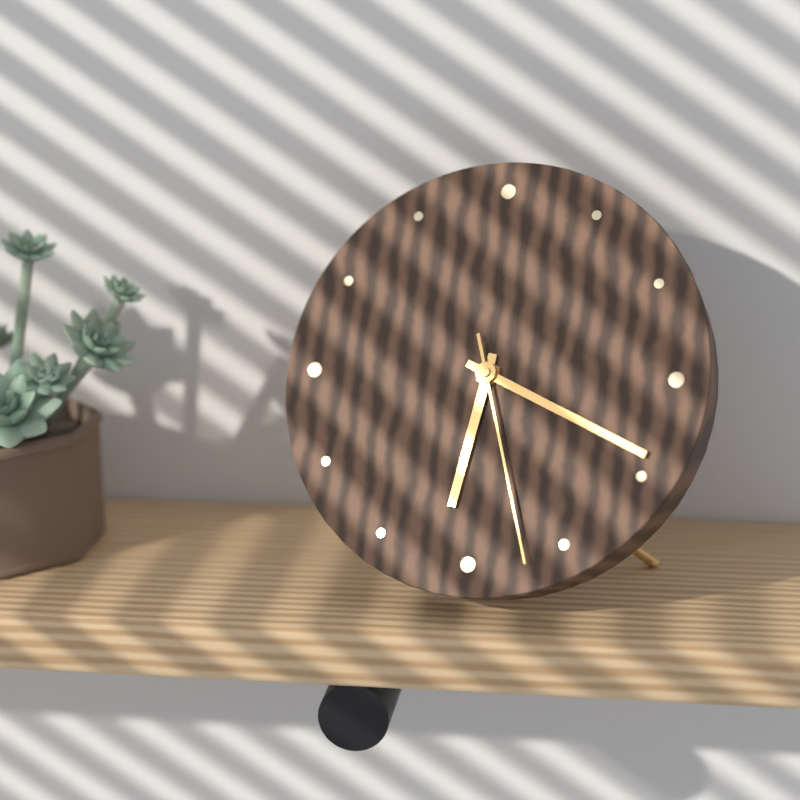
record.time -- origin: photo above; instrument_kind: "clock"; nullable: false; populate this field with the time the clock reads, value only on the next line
6:19:27
